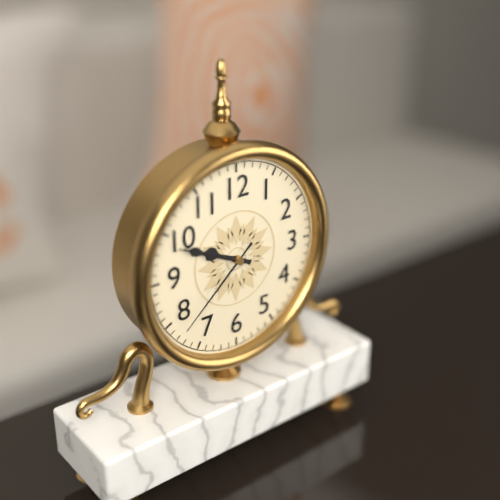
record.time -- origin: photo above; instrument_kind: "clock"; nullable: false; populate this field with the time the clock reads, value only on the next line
9:49:38
